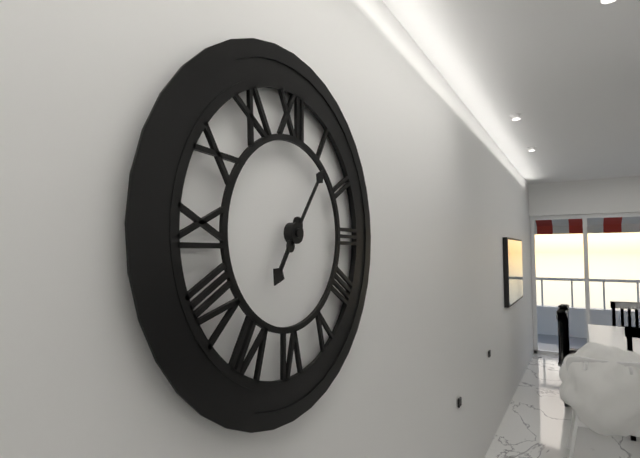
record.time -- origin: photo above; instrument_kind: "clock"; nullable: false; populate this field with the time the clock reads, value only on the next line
7:06
